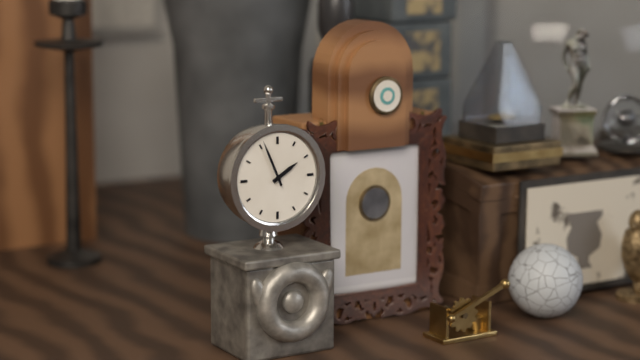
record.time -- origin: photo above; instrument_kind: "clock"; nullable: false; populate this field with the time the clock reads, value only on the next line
1:56
